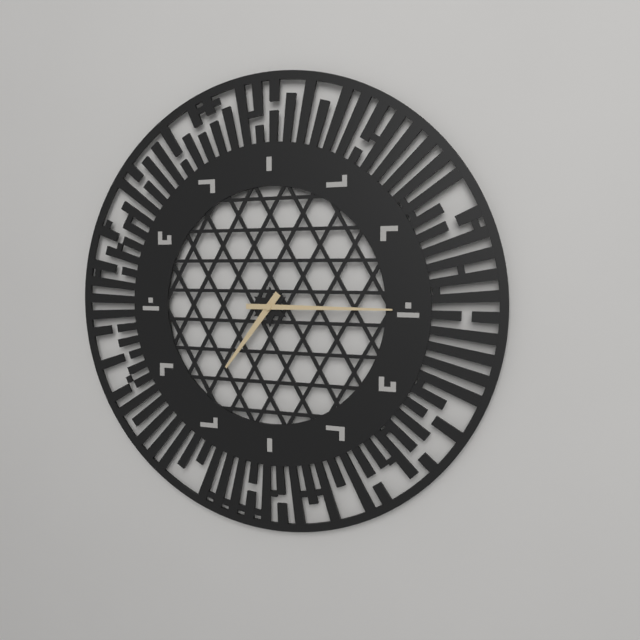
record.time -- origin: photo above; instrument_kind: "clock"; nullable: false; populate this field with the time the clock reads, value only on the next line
7:15
